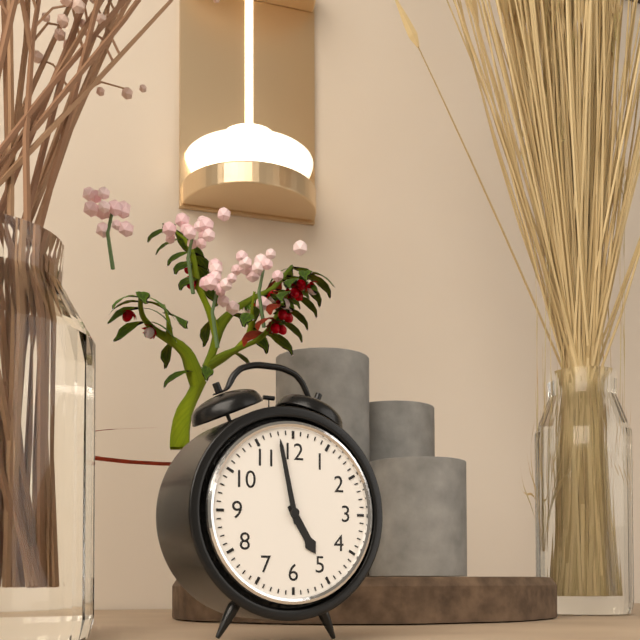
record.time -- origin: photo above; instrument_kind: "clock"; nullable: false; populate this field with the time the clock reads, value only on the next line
4:58
